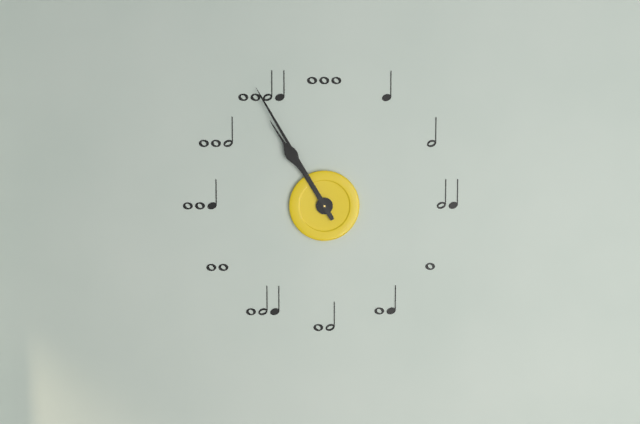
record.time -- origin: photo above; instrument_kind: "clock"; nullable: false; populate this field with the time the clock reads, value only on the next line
10:55
